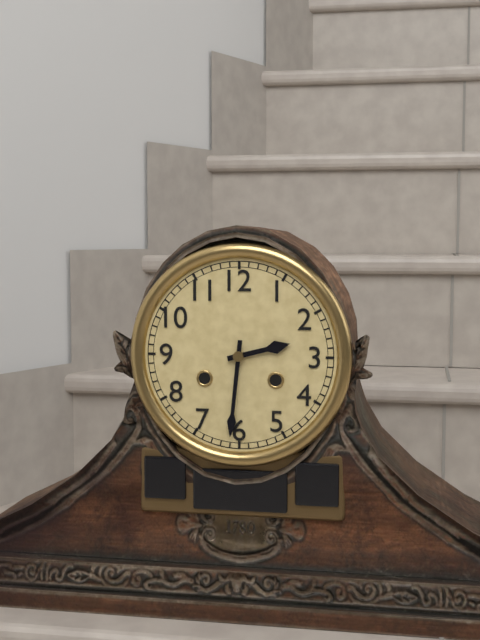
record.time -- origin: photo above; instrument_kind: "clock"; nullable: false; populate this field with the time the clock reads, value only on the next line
2:31
